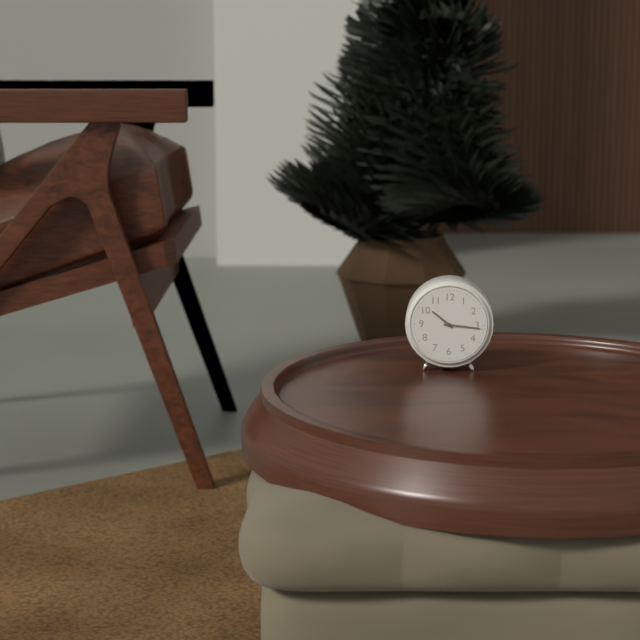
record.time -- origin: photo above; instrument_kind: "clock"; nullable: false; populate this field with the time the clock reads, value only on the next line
10:16
